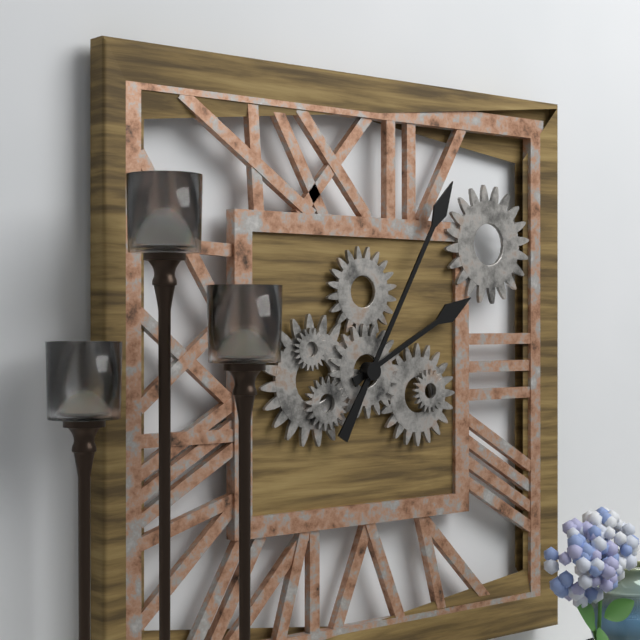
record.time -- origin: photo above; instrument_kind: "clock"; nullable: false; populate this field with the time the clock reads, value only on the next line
2:05
